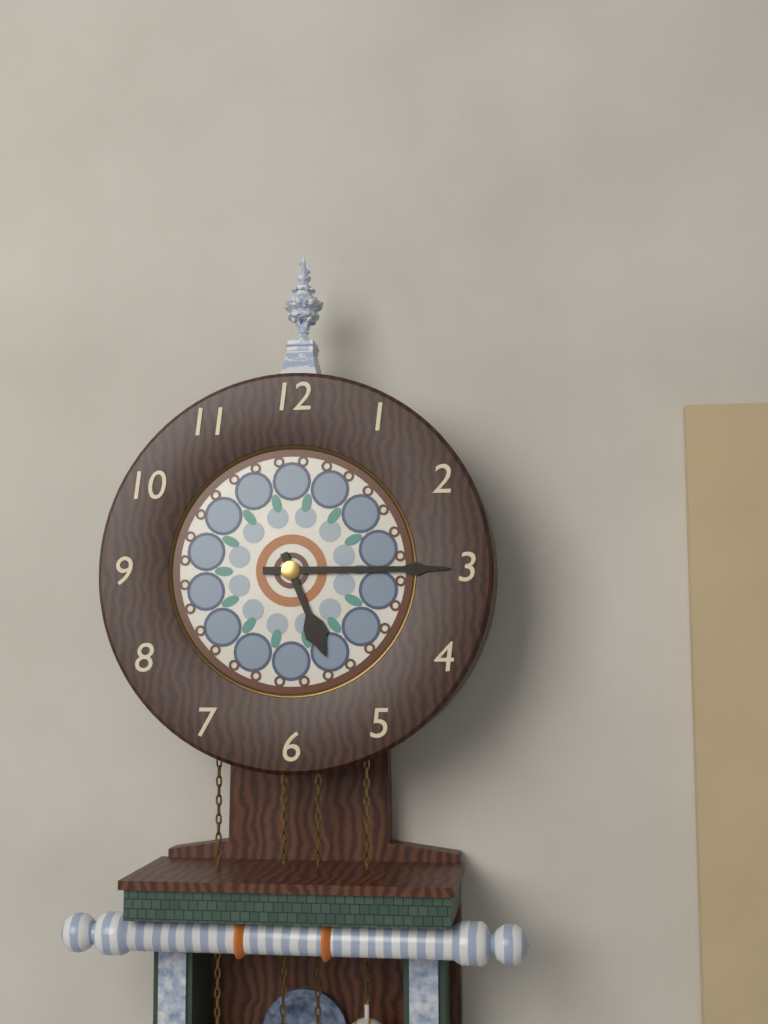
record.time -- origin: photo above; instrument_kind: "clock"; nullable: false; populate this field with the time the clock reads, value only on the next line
5:15
